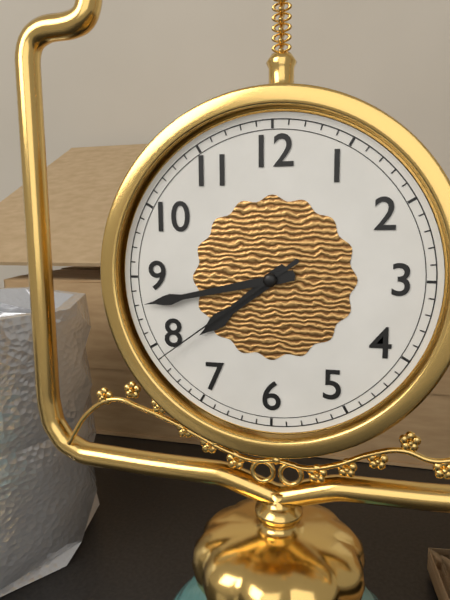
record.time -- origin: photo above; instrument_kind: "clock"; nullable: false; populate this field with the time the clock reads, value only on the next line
7:43:39
